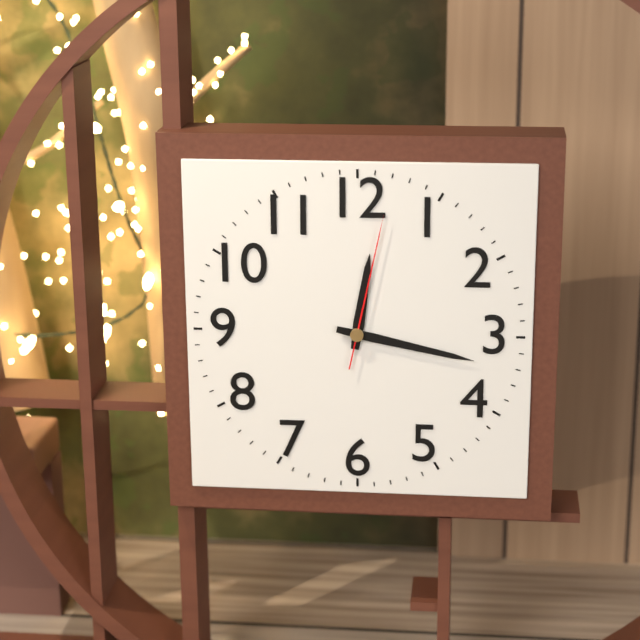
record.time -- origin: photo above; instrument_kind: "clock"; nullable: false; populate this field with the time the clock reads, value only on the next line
12:17:02
